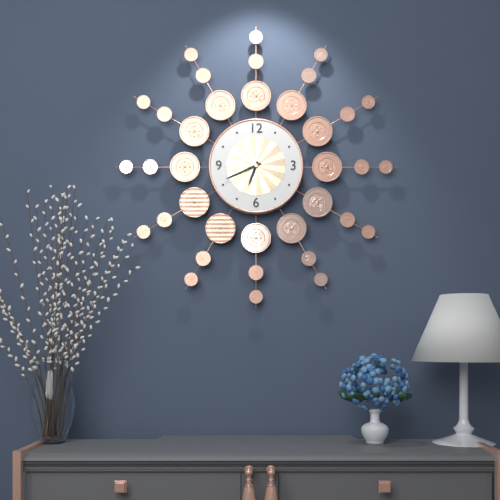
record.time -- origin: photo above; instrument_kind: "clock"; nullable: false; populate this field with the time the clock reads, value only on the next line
6:41
